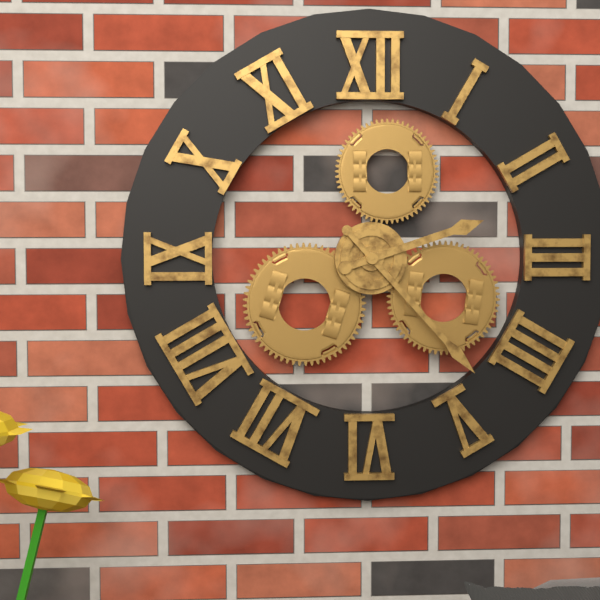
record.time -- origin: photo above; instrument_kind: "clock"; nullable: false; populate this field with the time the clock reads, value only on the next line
2:23
